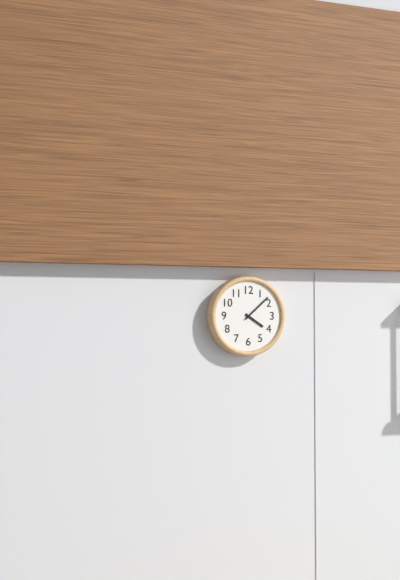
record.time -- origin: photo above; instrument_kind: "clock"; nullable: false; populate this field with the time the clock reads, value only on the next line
4:08
